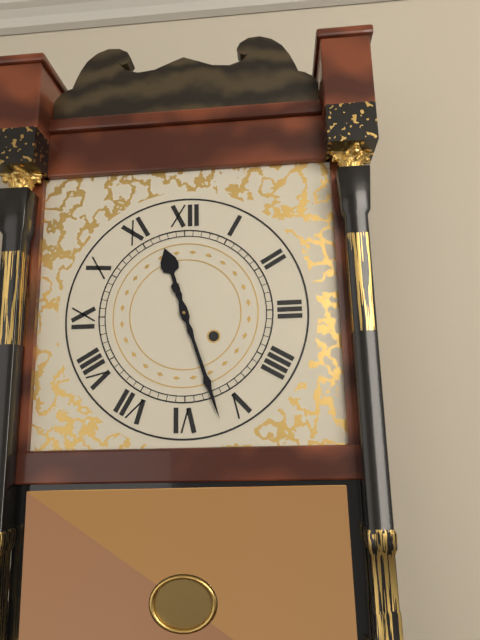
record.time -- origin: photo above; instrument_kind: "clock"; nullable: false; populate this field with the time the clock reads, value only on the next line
11:27
